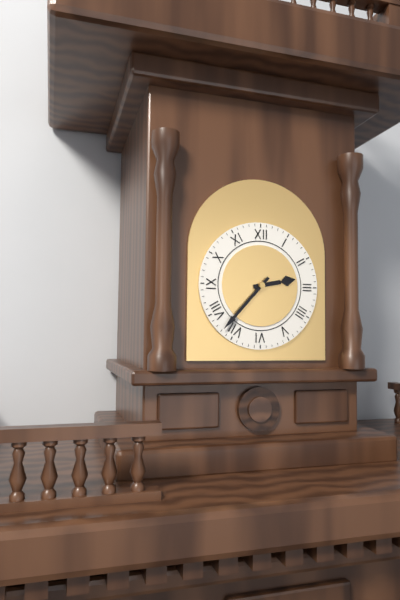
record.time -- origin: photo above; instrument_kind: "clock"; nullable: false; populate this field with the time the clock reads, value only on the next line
2:37
